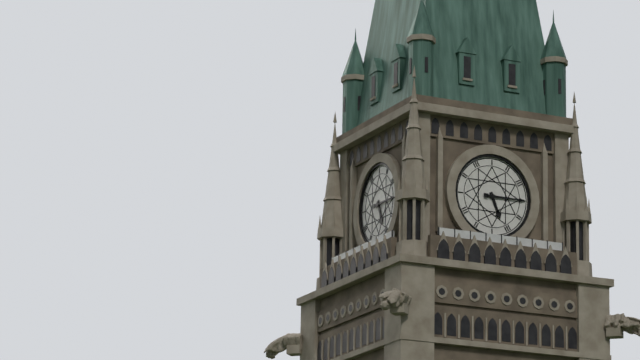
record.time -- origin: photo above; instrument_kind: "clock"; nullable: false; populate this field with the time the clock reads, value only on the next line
5:15
